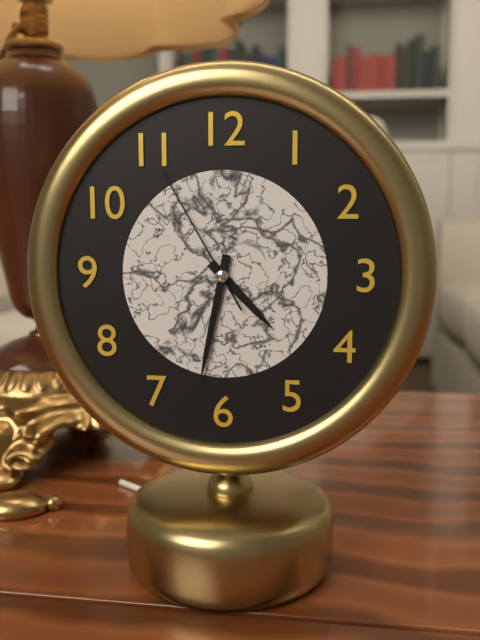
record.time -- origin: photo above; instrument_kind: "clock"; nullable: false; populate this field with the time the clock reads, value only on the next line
4:32:55
